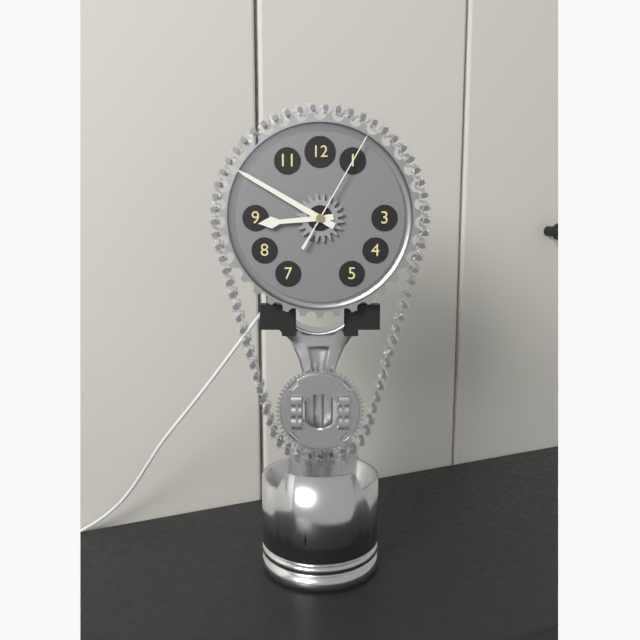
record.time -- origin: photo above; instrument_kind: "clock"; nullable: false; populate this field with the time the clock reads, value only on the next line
8:50:05
